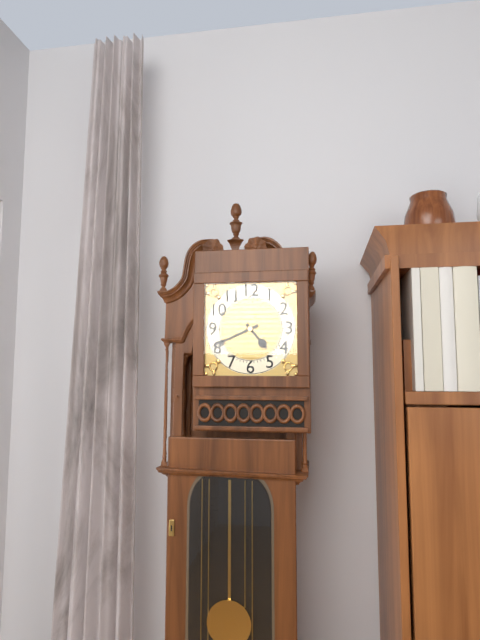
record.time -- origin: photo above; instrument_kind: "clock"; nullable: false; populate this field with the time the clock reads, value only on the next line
4:41
